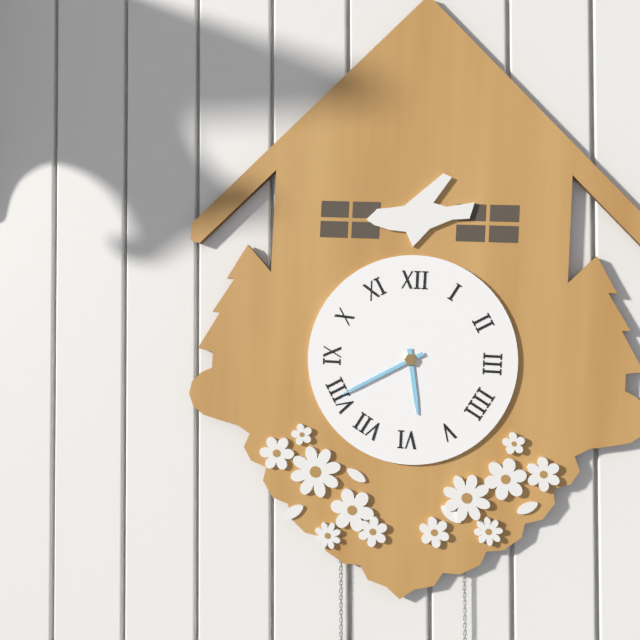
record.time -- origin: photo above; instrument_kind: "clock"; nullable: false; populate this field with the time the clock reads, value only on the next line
5:40
